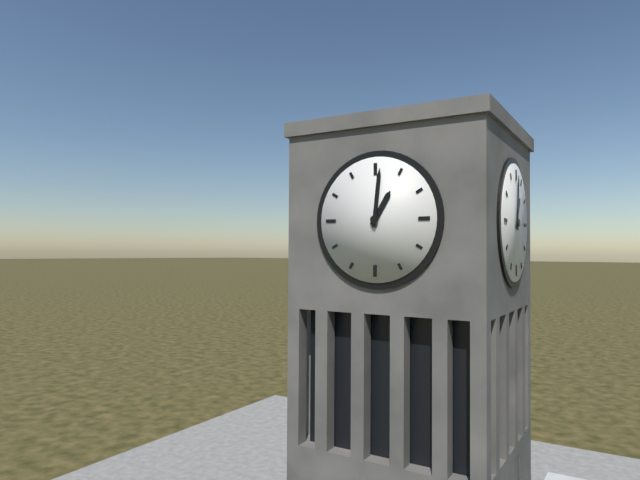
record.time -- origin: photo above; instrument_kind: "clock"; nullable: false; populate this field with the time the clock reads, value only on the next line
1:01
